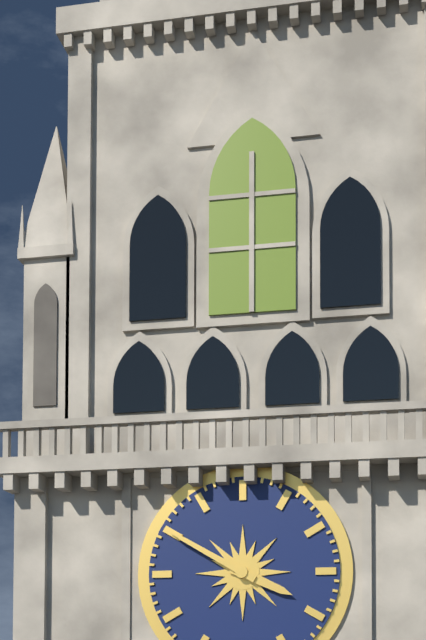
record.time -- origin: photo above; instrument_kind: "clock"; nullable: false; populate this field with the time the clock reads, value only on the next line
3:50
